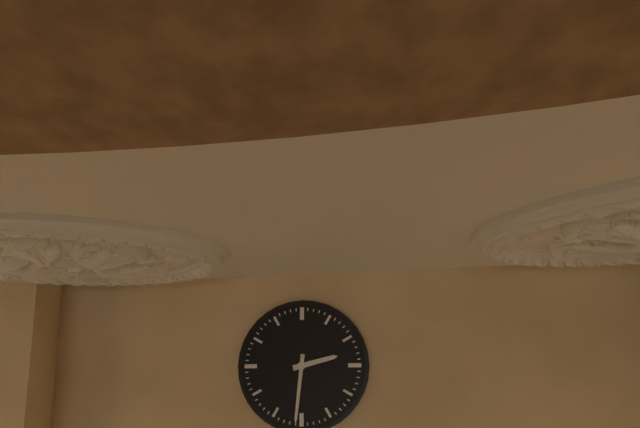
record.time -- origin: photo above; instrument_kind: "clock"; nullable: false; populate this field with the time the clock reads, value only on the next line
2:31
